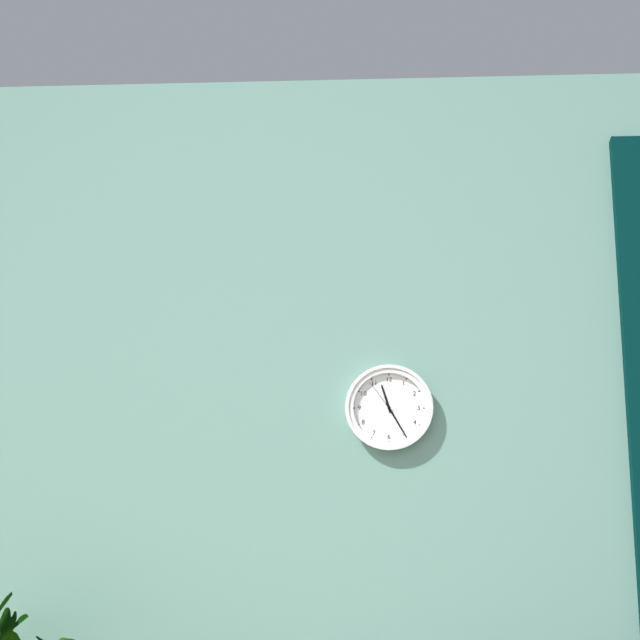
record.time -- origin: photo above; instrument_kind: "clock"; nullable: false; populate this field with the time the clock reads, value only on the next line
11:25
